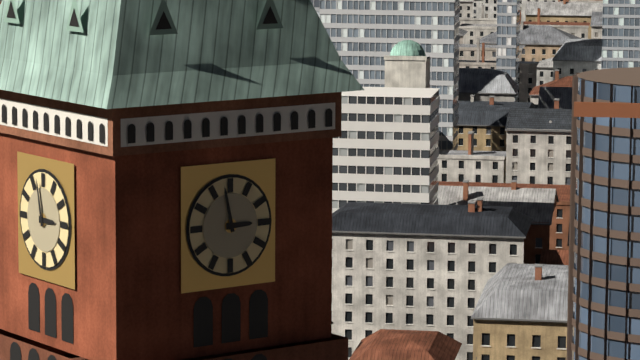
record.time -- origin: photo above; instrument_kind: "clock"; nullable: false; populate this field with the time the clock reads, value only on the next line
2:58
